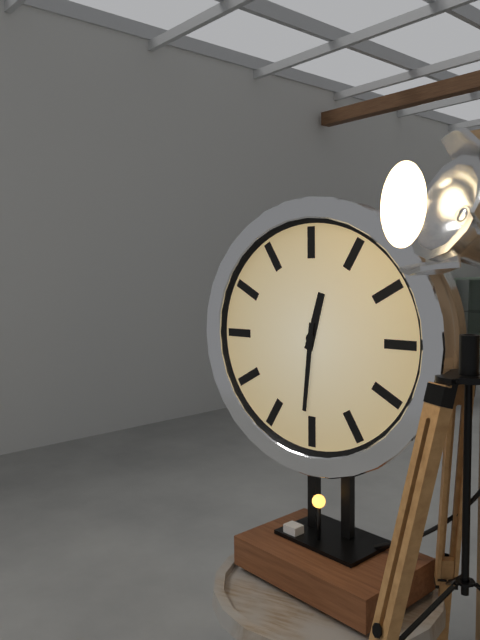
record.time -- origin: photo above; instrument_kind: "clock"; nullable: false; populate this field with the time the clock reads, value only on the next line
12:31
